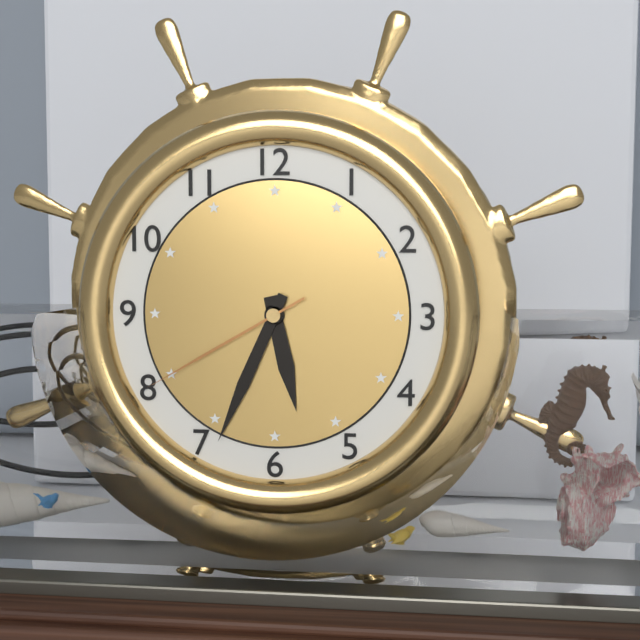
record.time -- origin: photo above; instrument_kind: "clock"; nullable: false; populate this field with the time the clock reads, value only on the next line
5:34:40
